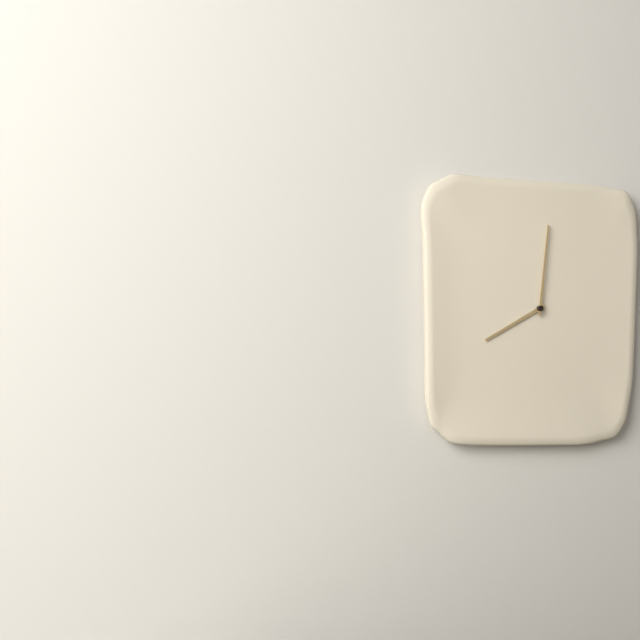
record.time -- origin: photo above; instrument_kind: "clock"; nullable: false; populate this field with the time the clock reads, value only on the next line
8:01
